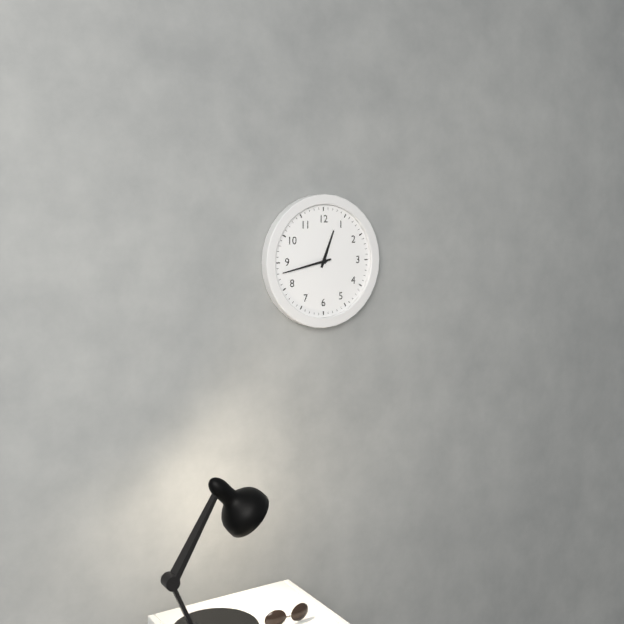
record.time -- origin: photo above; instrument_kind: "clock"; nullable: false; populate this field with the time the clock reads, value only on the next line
12:43
